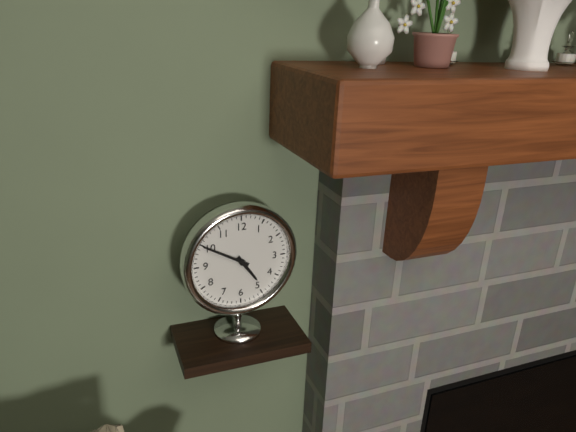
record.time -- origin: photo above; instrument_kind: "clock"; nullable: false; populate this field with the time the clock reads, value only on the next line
4:50
